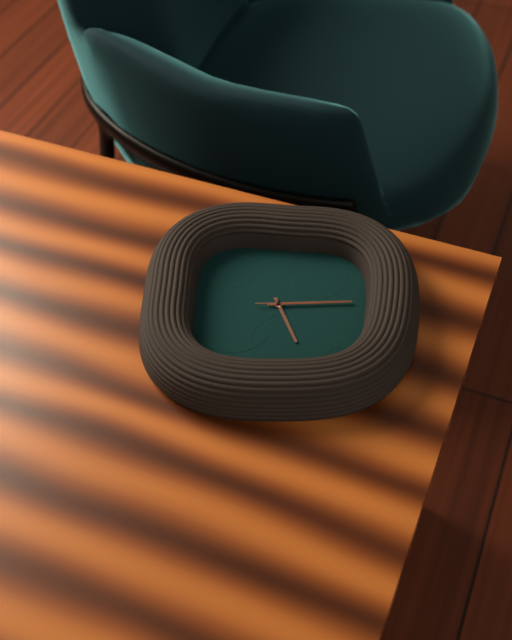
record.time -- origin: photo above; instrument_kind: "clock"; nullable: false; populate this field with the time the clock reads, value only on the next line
5:14:14
